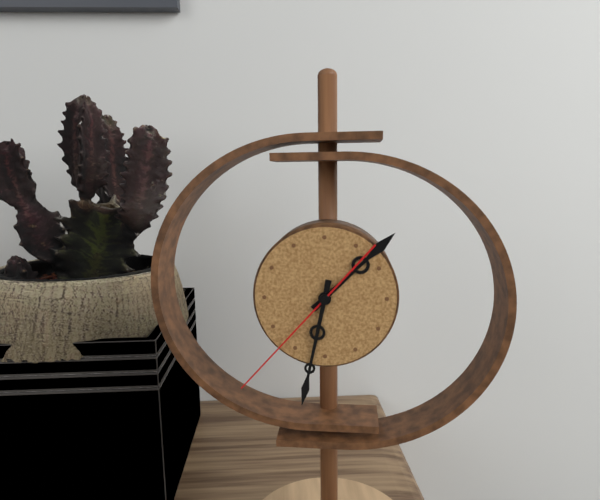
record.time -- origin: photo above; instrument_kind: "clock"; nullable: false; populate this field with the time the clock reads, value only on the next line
1:32:37
